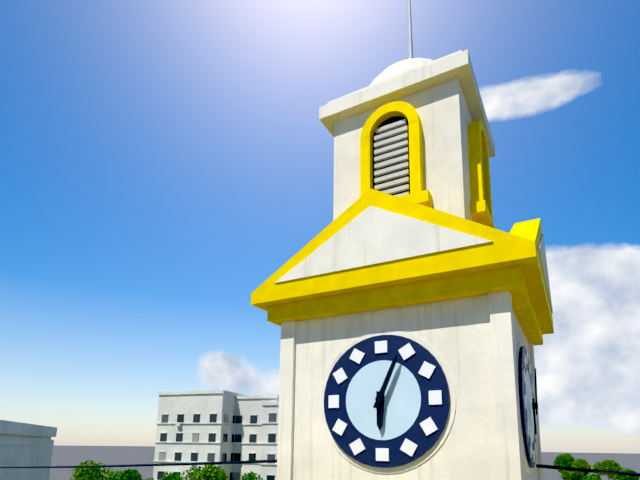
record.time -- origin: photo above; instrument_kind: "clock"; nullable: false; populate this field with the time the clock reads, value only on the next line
6:04
